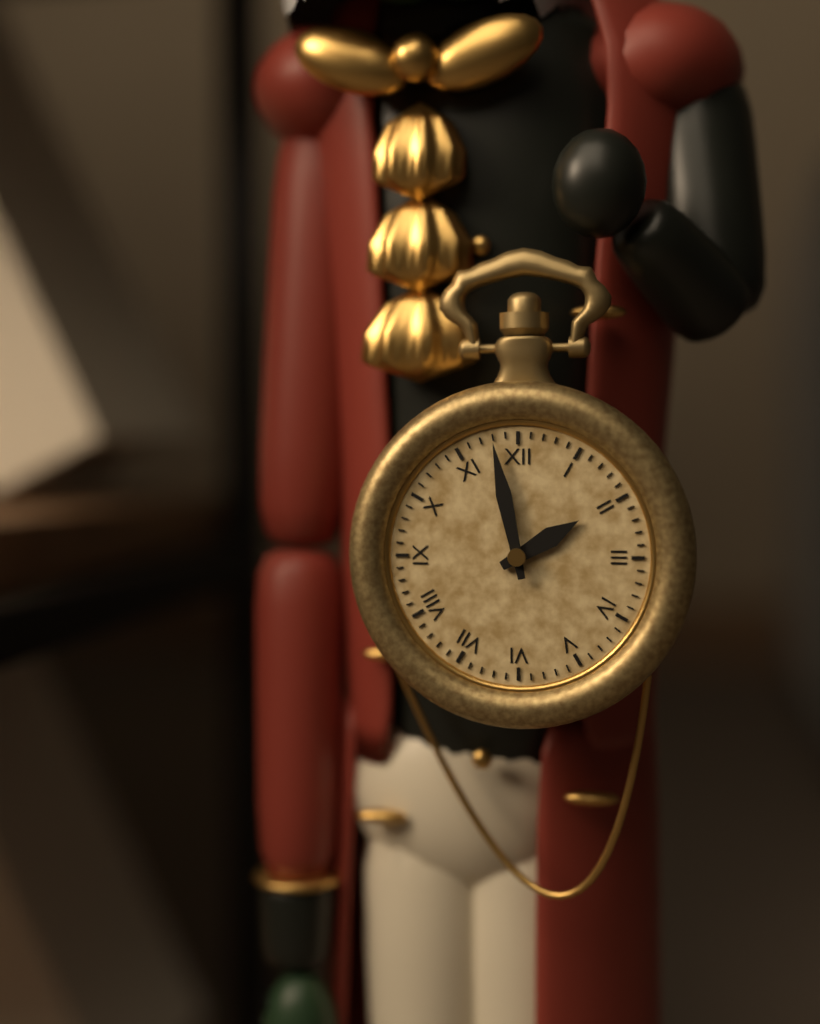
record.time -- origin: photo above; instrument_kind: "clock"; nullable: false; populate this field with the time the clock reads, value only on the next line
1:58
